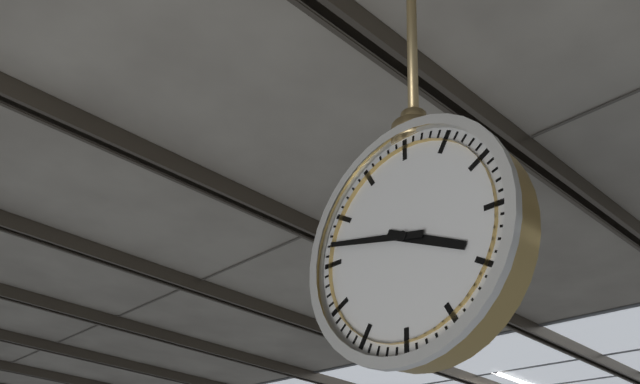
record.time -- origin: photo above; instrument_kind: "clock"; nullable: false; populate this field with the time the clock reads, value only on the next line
3:47
